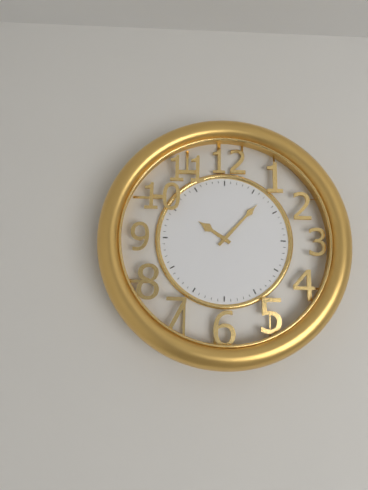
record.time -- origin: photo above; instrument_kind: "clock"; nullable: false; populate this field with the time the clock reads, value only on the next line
10:07
